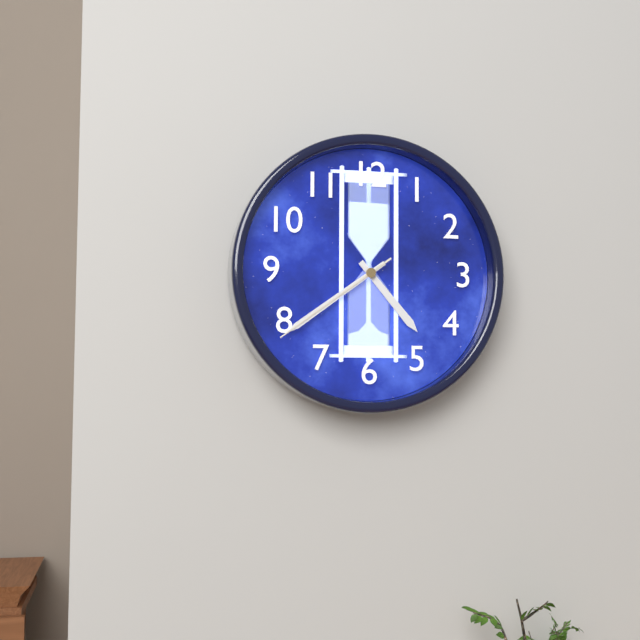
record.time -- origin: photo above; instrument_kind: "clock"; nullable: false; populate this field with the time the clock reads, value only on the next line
4:39:39
